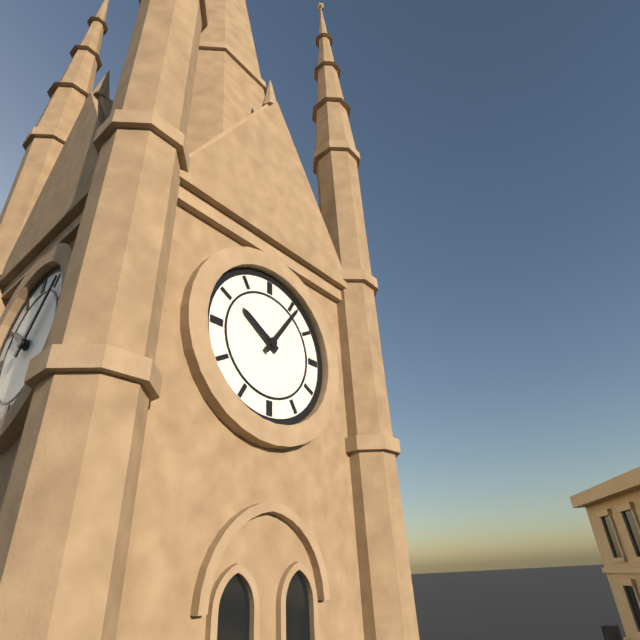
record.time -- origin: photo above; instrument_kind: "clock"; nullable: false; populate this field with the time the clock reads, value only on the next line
10:06
